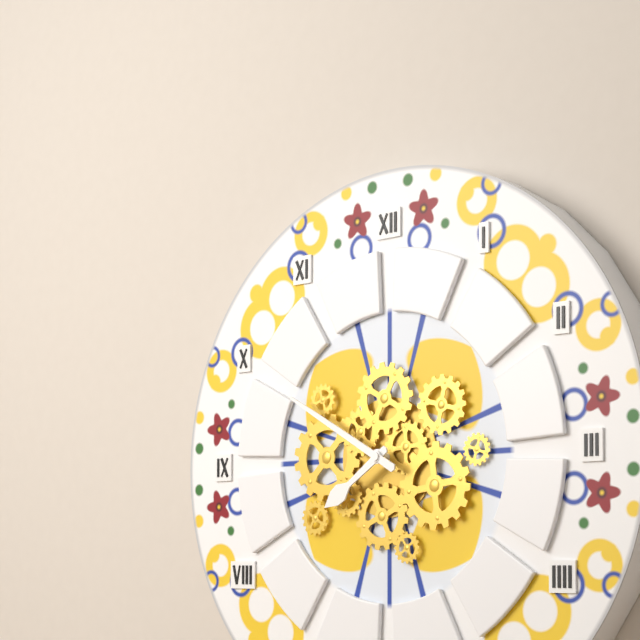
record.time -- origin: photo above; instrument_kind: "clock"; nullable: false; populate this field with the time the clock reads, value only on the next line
7:50
